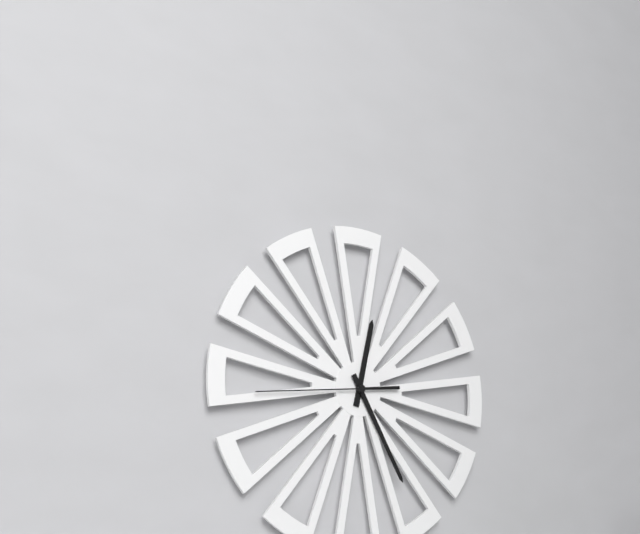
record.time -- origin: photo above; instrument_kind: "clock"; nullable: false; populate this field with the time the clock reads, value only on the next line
12:25:44
